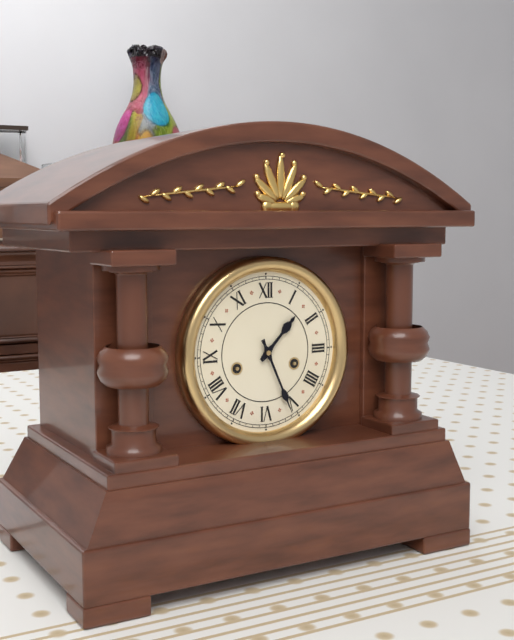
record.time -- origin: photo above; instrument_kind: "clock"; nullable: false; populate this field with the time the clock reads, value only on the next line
1:26
